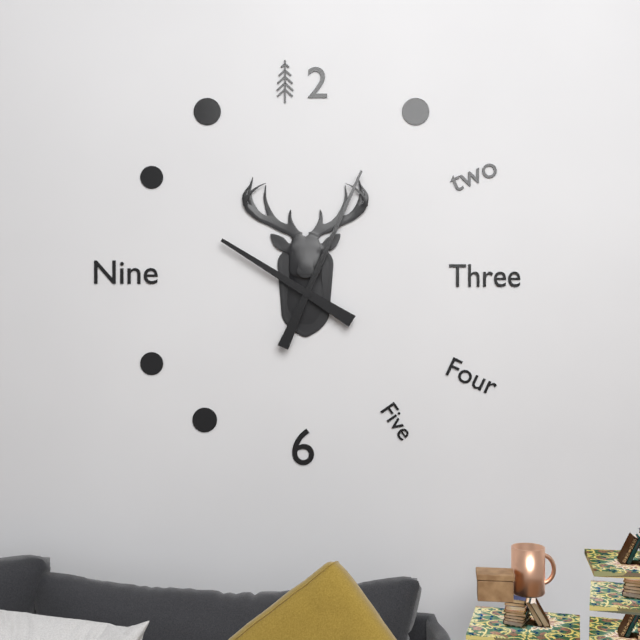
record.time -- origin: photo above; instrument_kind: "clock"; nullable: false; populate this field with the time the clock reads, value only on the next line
10:04
